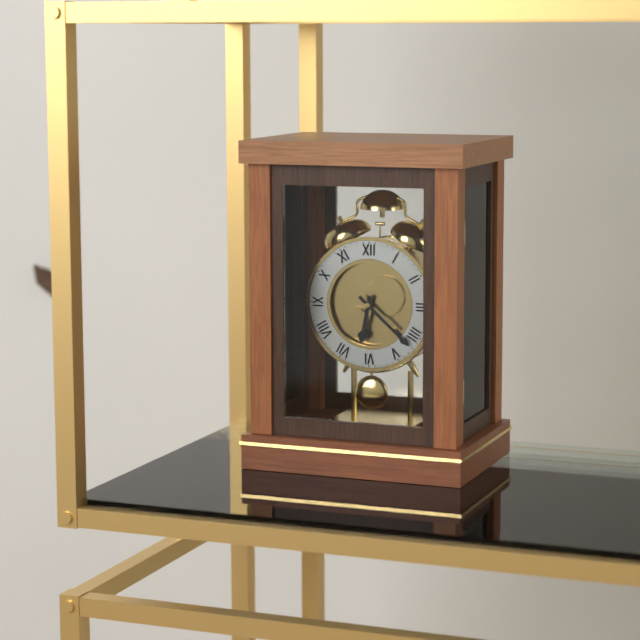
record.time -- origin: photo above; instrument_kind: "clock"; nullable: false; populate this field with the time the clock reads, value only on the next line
6:22
